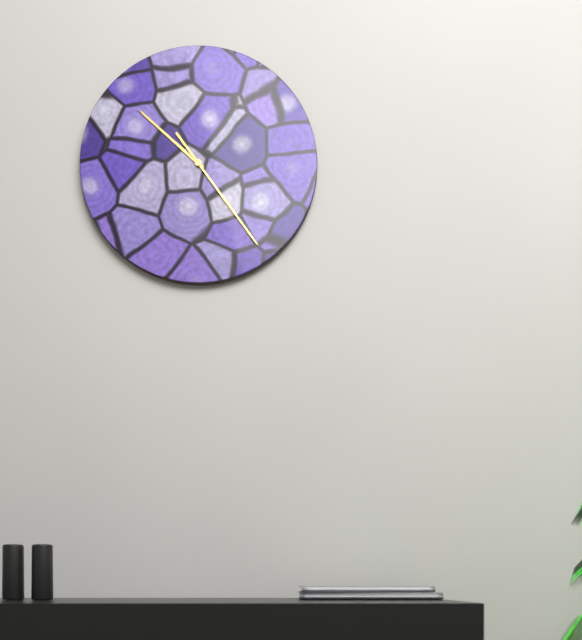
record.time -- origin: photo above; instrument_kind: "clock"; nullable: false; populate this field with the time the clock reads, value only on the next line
10:24
